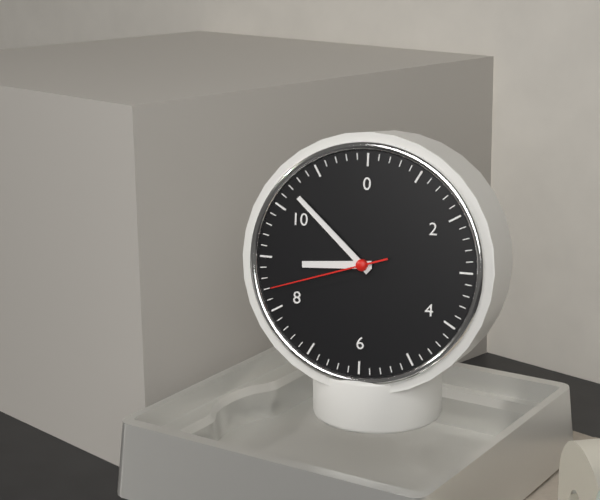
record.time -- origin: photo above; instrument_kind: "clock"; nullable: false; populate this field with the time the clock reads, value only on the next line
8:52:42
